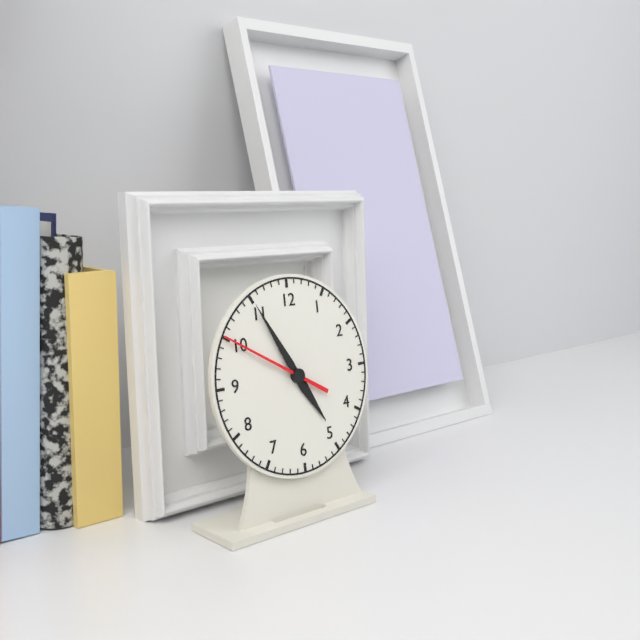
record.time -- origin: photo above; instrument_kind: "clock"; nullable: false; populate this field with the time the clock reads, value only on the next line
4:55:50
